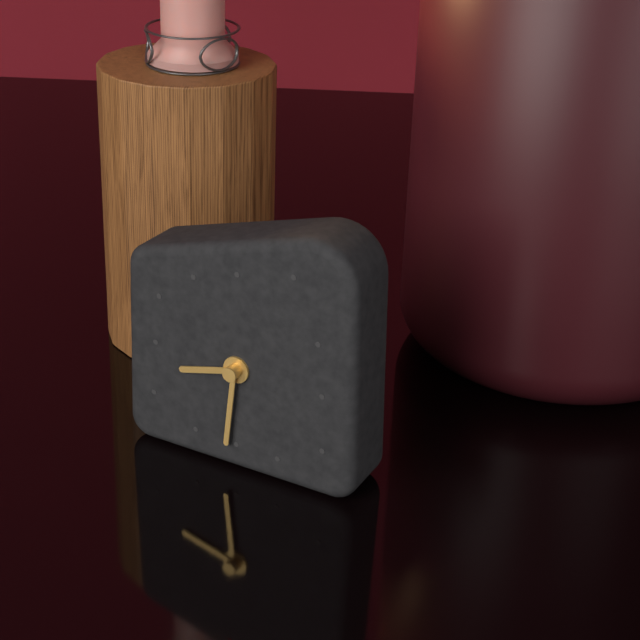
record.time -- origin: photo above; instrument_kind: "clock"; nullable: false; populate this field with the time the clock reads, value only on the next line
8:31
